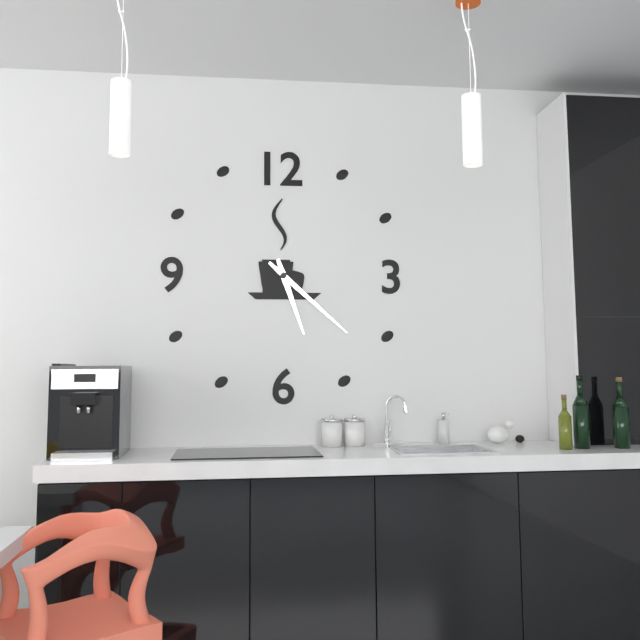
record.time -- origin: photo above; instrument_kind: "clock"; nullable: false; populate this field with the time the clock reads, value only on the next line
5:22
